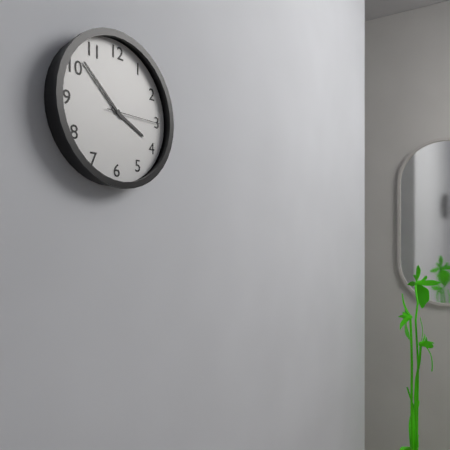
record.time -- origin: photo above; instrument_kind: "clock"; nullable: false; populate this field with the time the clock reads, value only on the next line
3:52:15
